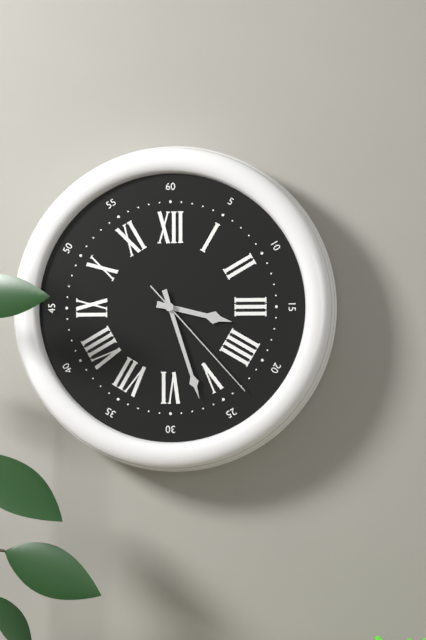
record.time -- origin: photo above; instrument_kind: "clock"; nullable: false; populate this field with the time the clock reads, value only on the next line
3:27:23
